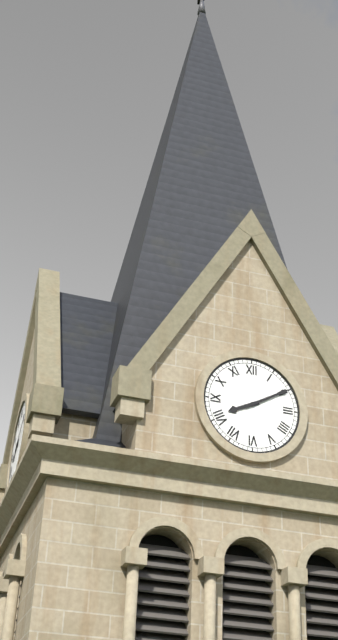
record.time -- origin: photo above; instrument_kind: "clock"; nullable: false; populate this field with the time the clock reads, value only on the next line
8:10
